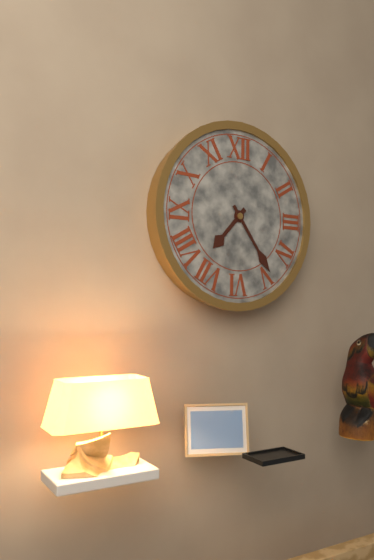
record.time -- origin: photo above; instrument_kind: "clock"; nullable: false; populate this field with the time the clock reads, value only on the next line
7:24
